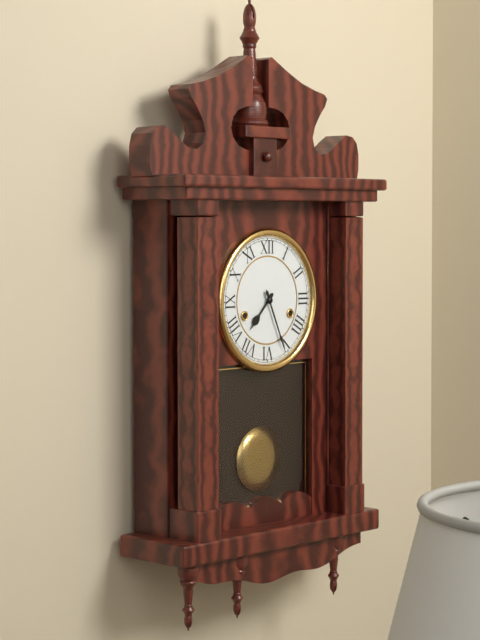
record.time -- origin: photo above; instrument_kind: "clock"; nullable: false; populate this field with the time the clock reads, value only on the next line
7:26
